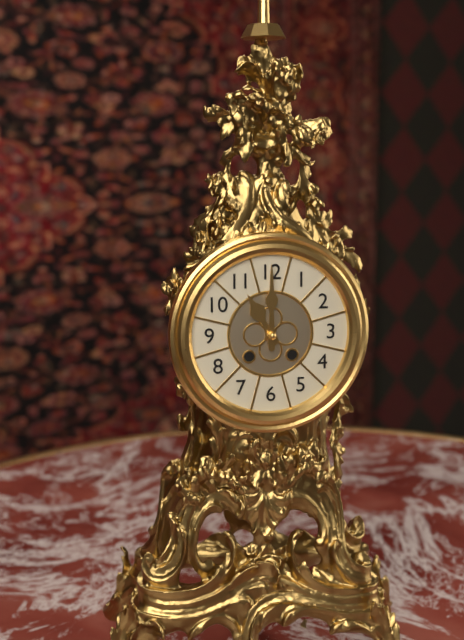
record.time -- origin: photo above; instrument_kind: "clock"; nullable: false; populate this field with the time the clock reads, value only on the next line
11:00
